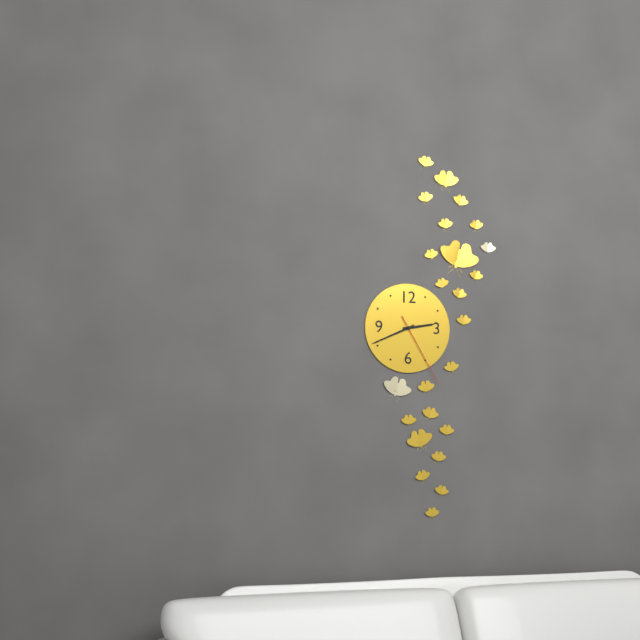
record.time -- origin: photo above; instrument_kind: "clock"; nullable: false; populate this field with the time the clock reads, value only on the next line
2:41:25
